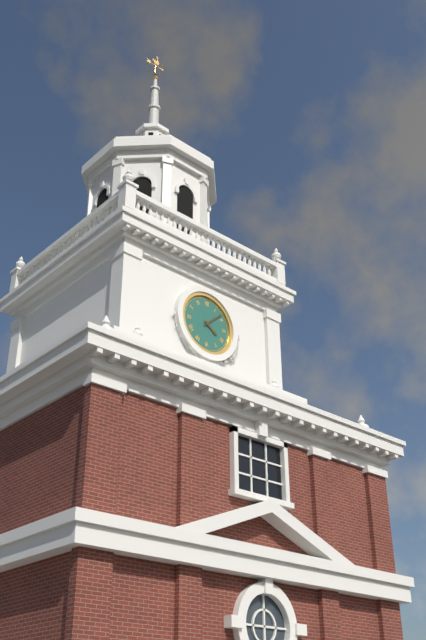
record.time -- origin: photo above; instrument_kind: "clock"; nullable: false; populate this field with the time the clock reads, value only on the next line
4:08
